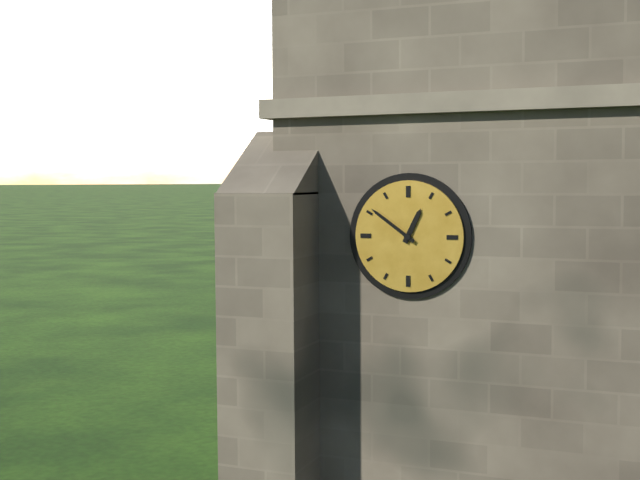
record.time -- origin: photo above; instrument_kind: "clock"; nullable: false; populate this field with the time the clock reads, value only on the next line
12:51
